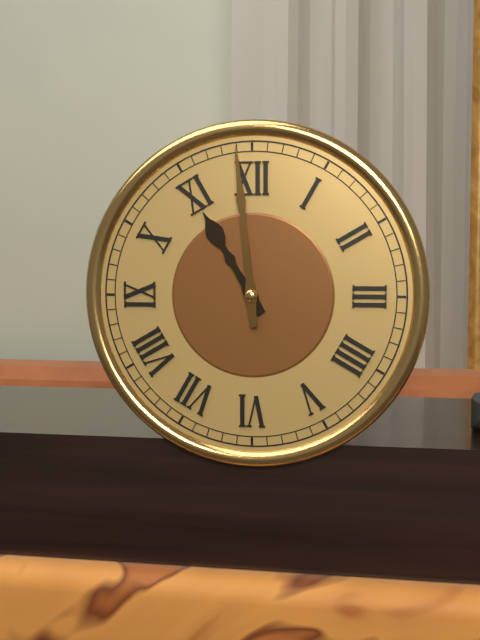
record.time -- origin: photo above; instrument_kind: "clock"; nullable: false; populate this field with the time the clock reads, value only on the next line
10:59
